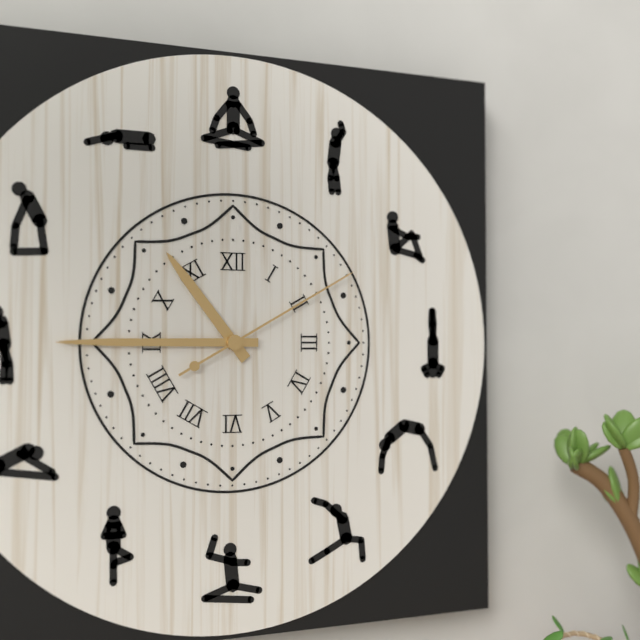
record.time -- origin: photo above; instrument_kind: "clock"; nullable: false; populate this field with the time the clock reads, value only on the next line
10:45:10
